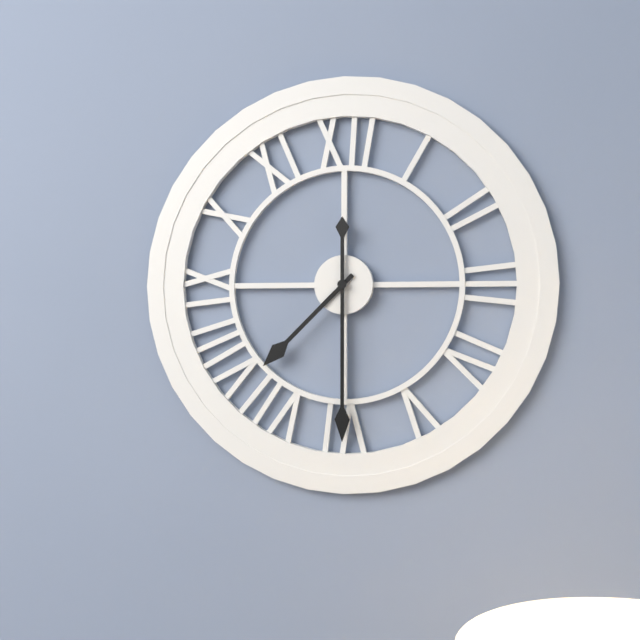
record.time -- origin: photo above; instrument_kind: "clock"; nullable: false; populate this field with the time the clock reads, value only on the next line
7:30
